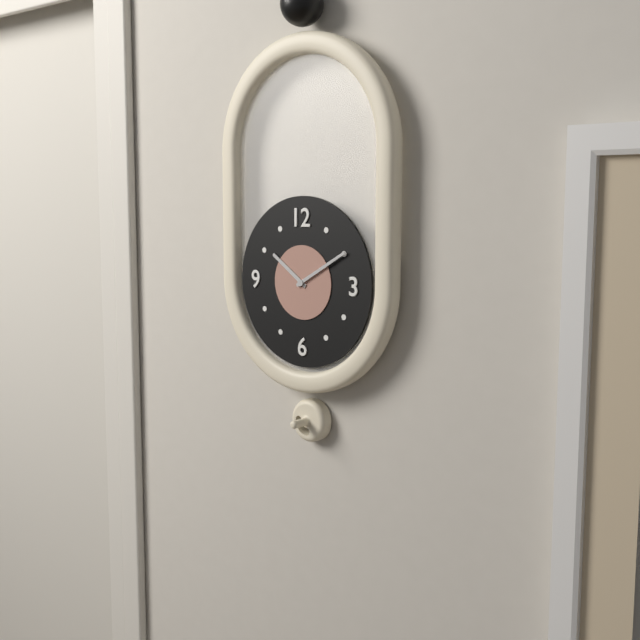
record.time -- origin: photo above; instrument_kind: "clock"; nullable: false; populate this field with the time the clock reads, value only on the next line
10:10
